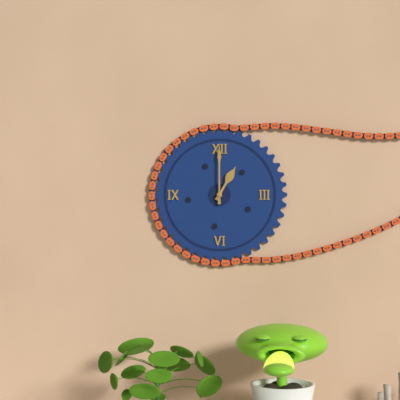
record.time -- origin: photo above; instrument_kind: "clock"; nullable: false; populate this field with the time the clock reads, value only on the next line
1:00
